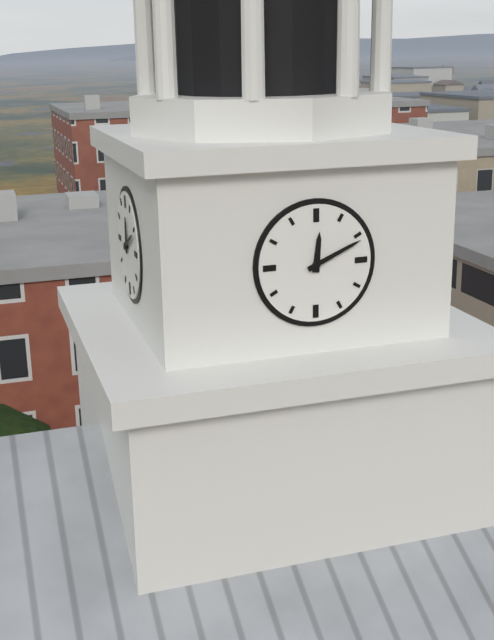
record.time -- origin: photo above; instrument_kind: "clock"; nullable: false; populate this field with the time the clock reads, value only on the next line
12:11
